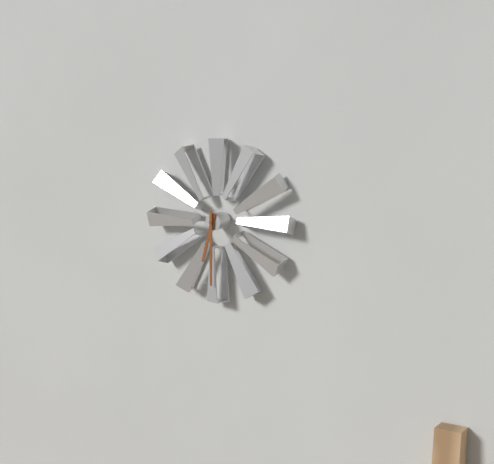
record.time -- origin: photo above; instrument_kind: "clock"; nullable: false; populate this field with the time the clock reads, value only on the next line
6:30
